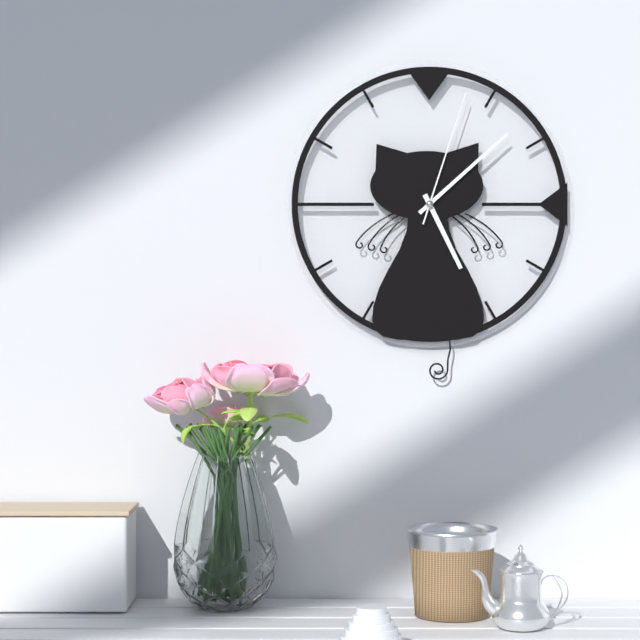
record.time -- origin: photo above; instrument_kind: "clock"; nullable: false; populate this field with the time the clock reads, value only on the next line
5:08:03
